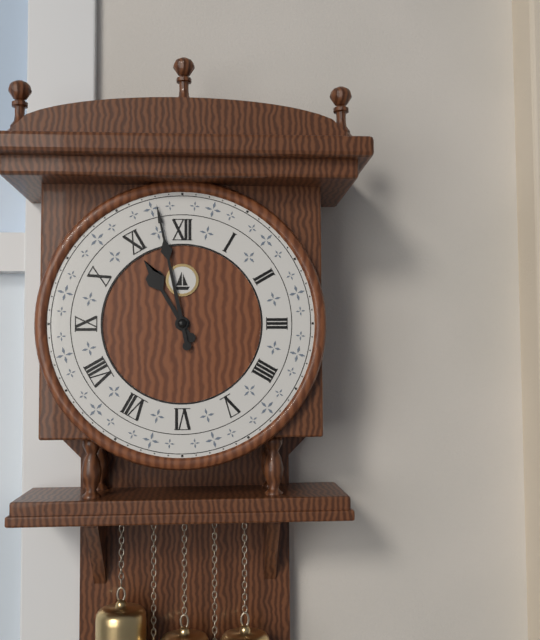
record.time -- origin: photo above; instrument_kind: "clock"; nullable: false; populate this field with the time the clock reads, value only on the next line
10:58
